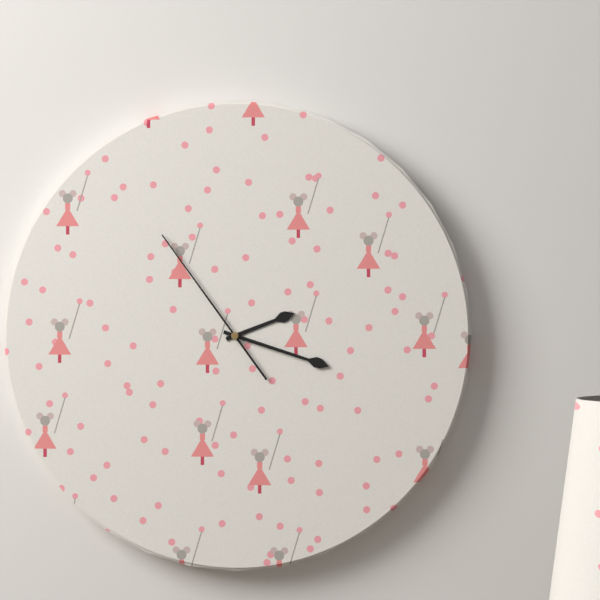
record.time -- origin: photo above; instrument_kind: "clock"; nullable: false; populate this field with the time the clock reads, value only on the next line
2:18:54
